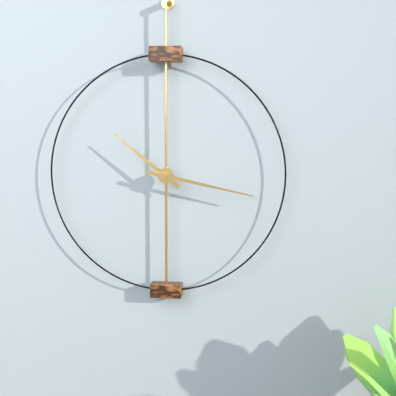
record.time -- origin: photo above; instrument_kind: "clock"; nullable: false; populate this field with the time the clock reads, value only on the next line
10:17
